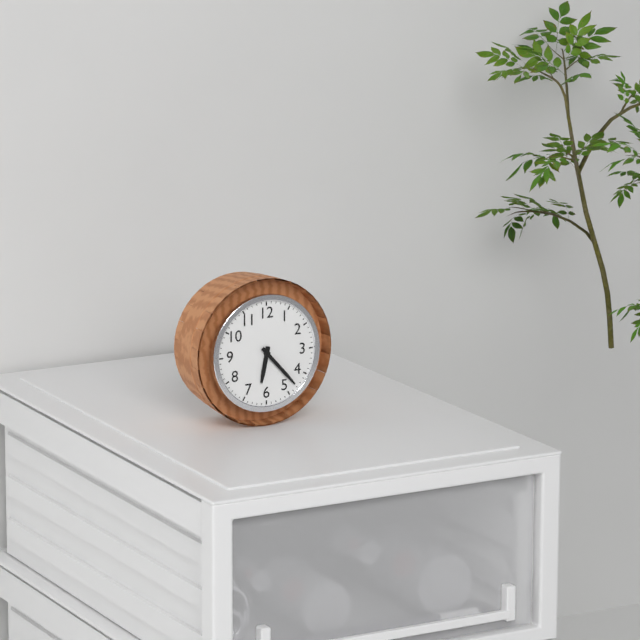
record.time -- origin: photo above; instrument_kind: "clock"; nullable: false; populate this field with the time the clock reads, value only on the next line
6:23
